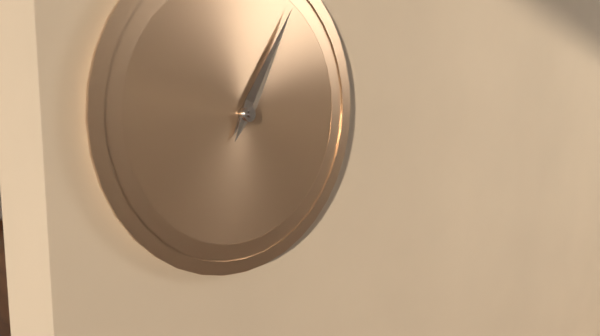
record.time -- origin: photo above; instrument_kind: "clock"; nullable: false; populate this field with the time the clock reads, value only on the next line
1:05
